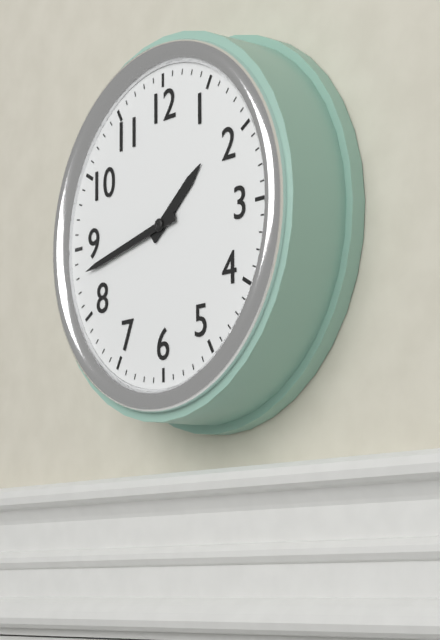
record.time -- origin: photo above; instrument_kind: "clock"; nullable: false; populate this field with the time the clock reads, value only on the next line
1:43
